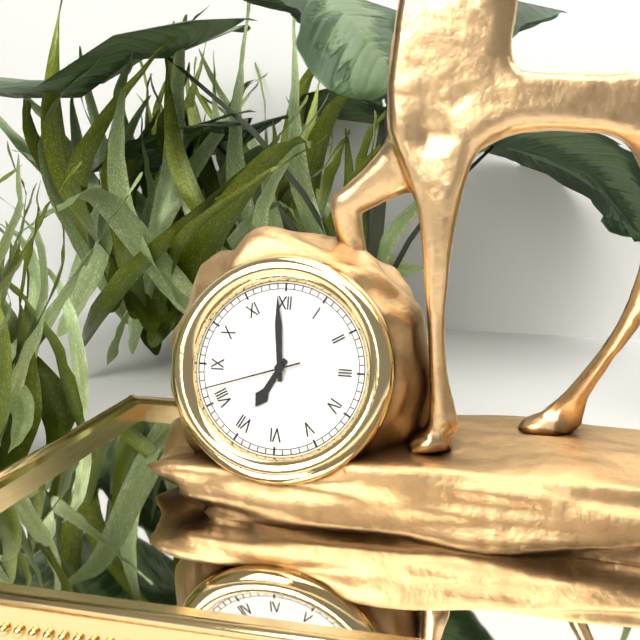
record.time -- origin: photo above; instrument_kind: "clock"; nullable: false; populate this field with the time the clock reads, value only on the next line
6:59:42
